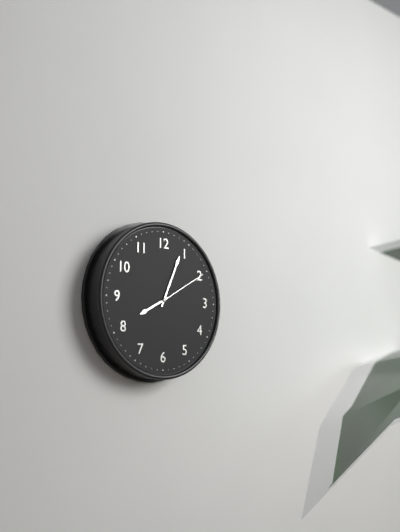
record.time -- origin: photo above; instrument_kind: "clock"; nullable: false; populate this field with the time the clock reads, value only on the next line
8:04:10
